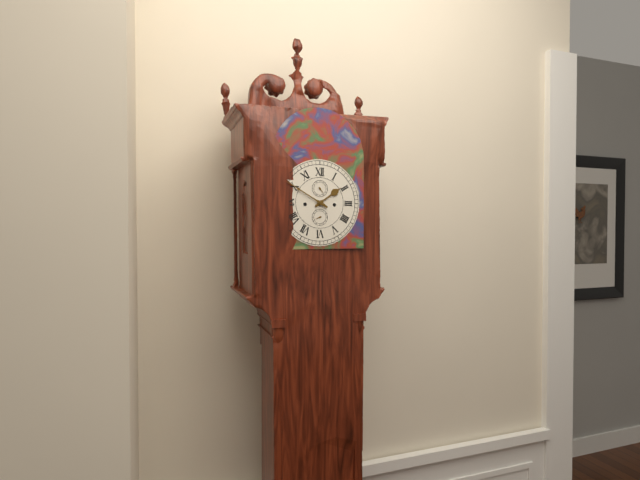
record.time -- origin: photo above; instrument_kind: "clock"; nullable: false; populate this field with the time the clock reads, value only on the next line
1:50
